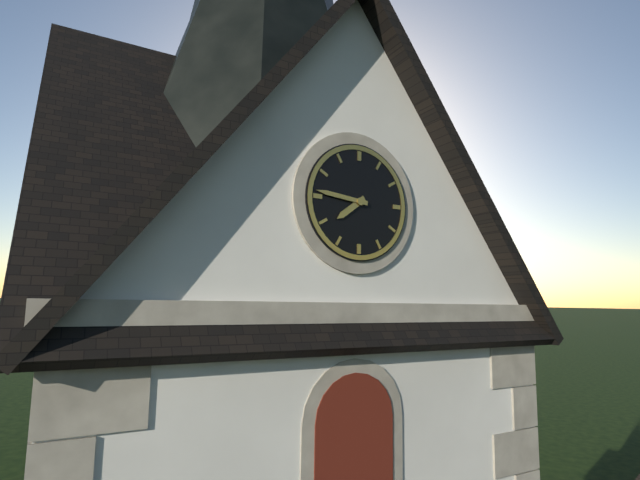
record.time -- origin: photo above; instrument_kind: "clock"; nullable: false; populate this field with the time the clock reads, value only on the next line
7:46
